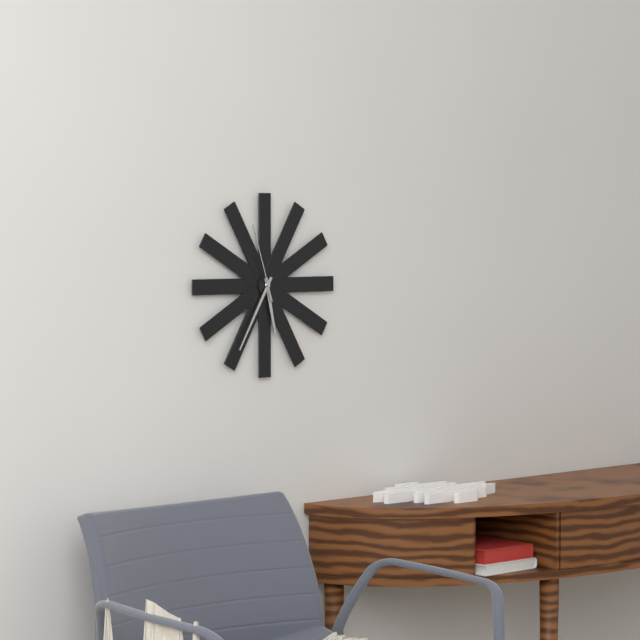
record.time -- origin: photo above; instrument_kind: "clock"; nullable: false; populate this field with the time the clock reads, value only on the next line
5:35:57
